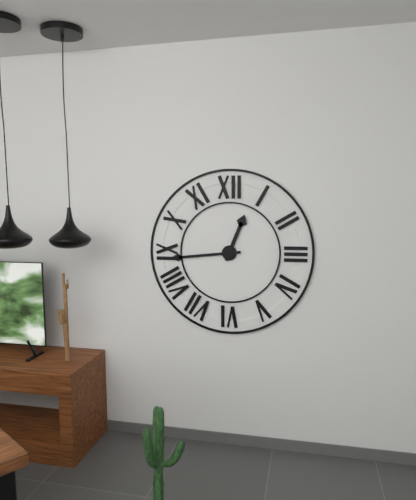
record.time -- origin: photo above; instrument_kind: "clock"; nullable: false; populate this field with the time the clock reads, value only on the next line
12:44
